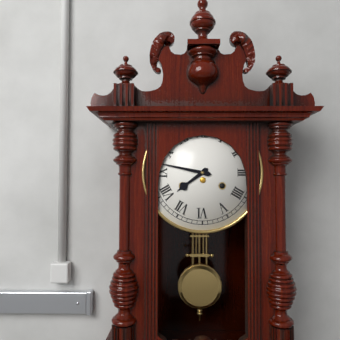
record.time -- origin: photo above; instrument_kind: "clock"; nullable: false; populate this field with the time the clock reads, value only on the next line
7:47
